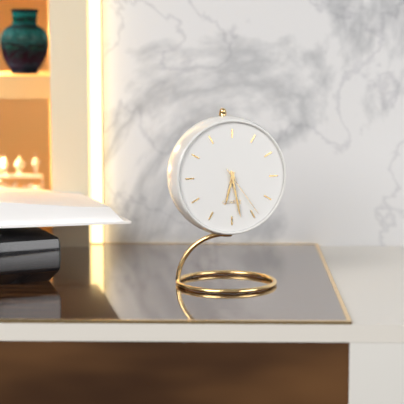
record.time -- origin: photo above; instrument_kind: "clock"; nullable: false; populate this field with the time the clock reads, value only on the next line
6:28:24
